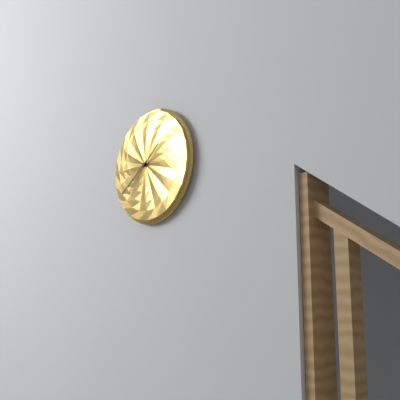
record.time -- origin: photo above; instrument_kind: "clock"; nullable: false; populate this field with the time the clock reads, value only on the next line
1:39
